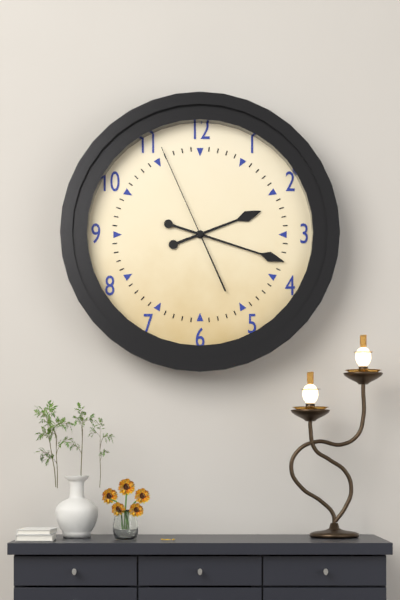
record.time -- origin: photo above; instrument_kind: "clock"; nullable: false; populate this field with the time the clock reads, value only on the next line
2:18:56
